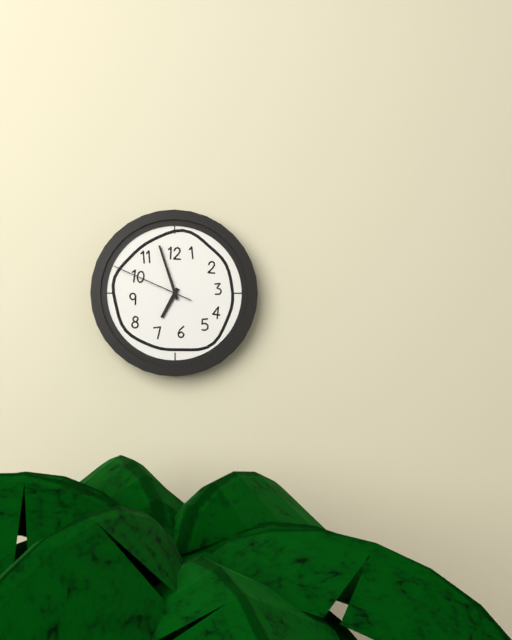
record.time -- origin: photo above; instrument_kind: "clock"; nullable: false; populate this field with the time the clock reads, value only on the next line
6:57:49
